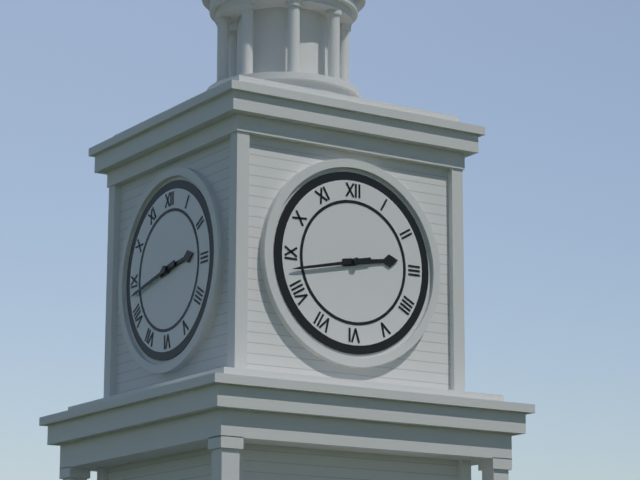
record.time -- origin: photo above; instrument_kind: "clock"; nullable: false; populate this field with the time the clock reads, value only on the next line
2:43
